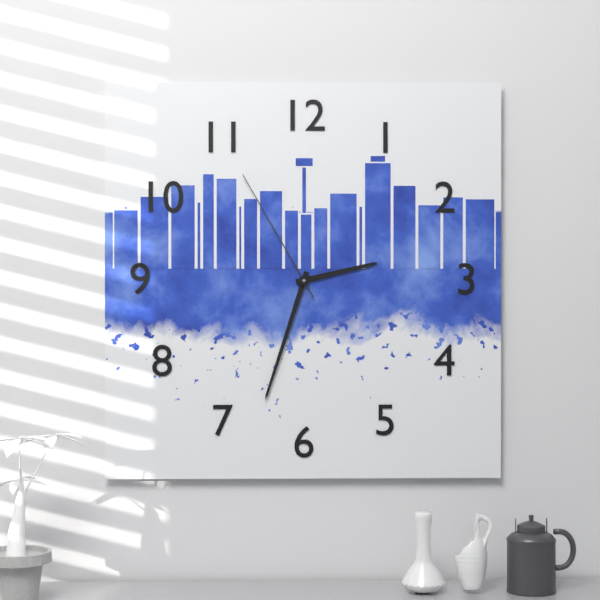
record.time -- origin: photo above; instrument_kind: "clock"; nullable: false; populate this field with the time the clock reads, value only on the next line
2:33:55
